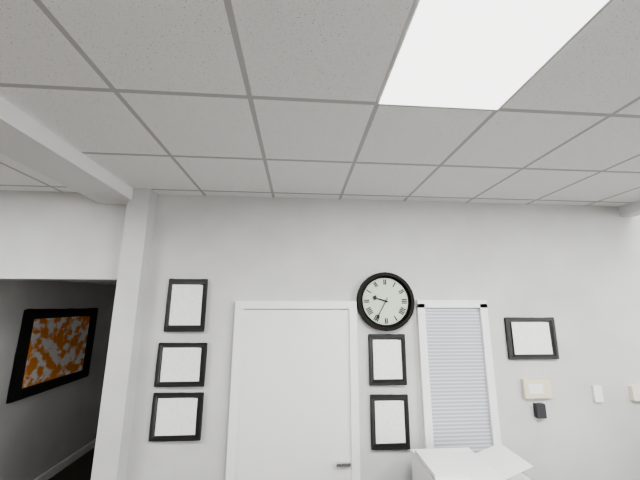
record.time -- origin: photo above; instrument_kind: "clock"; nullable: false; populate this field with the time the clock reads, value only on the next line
9:35
